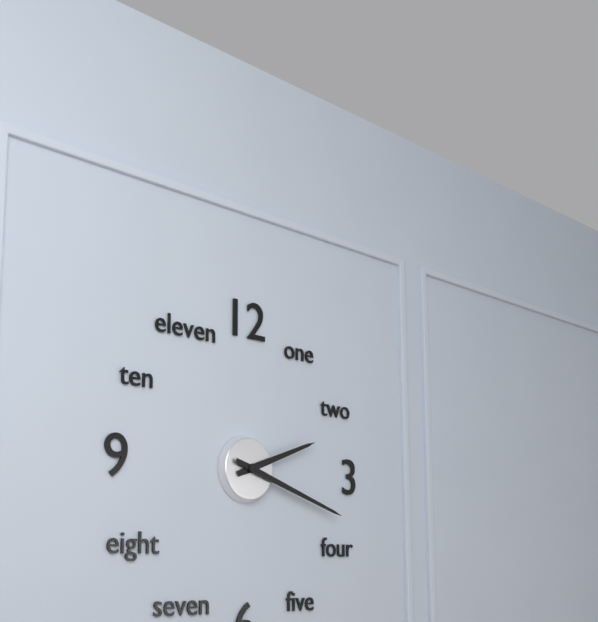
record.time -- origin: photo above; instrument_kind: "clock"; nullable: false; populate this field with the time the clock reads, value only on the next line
2:18
